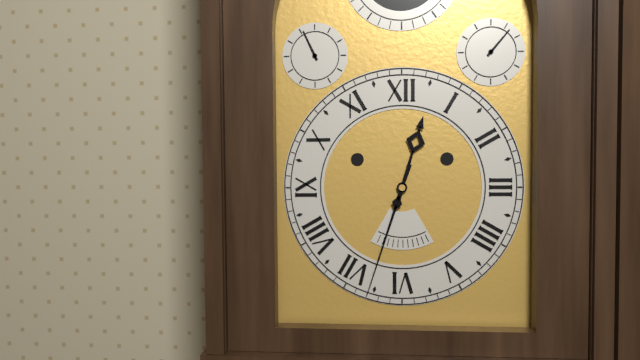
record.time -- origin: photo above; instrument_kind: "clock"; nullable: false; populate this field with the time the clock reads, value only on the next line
12:33
